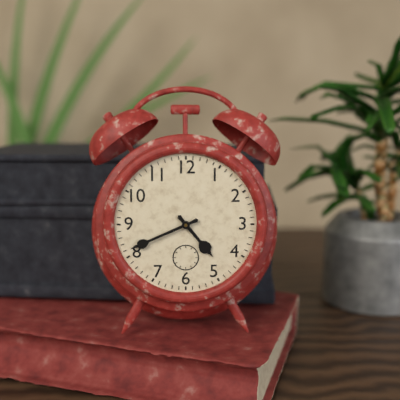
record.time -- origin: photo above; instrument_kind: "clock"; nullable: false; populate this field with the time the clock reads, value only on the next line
4:41
